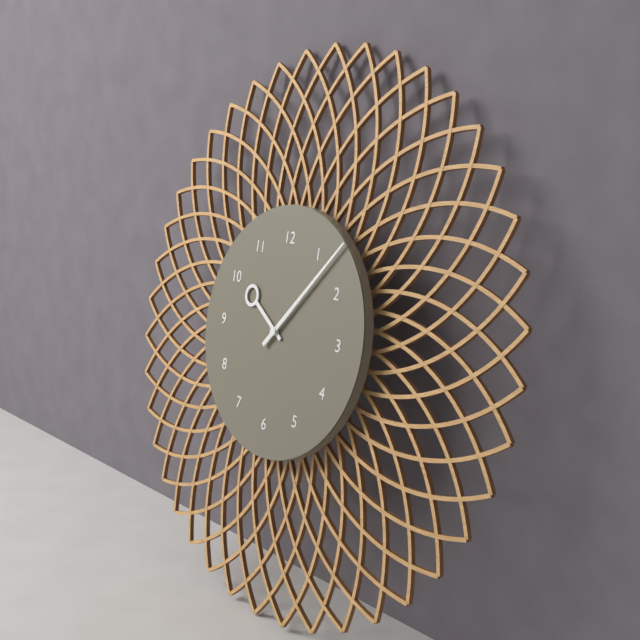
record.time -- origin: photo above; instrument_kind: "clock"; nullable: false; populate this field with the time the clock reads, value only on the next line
10:07
